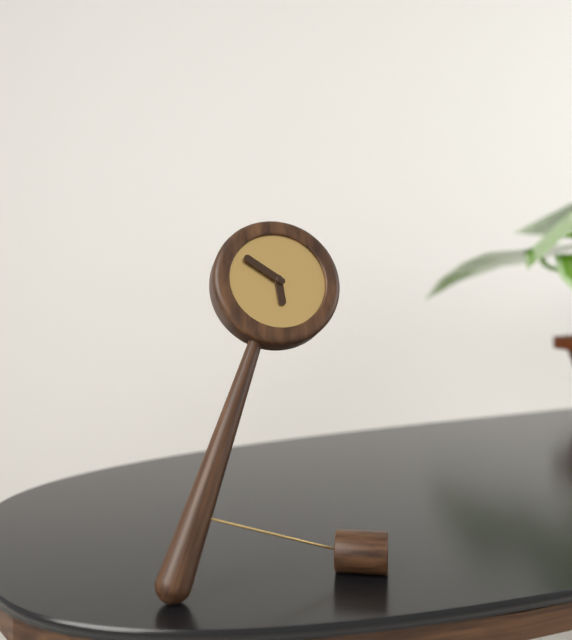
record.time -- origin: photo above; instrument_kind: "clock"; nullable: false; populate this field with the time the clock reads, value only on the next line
5:51
